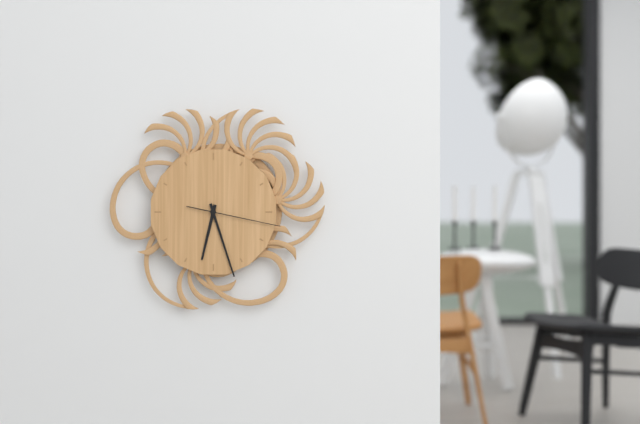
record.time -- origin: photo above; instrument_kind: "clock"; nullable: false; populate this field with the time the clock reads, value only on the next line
6:27:17
